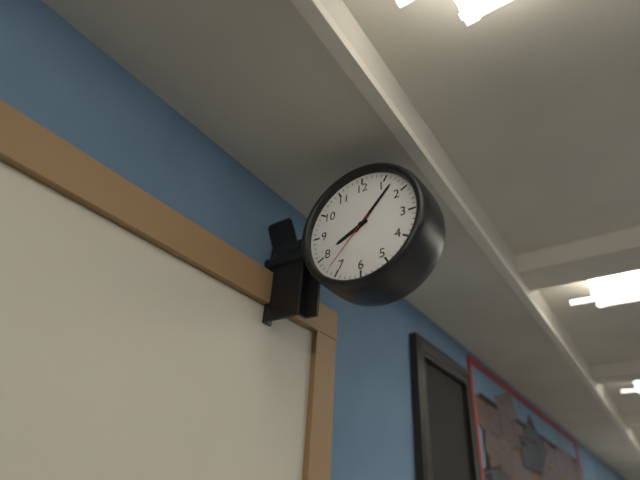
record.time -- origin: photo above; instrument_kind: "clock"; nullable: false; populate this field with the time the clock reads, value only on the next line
8:07:37
